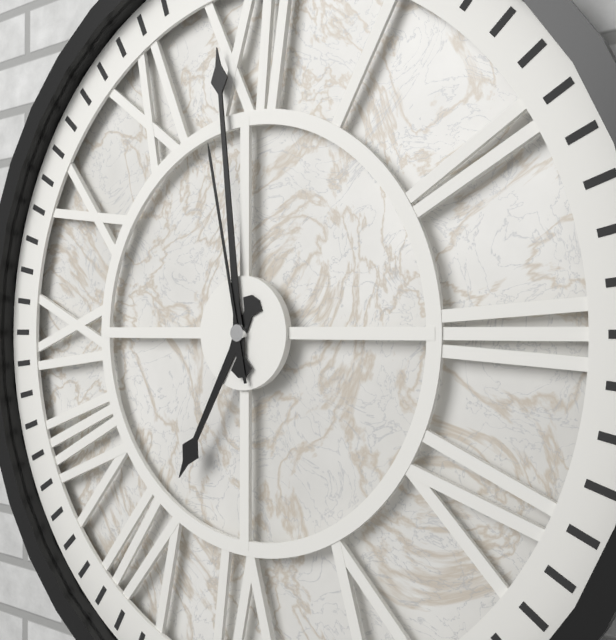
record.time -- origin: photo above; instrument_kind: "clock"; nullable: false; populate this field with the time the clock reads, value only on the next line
6:59:58
